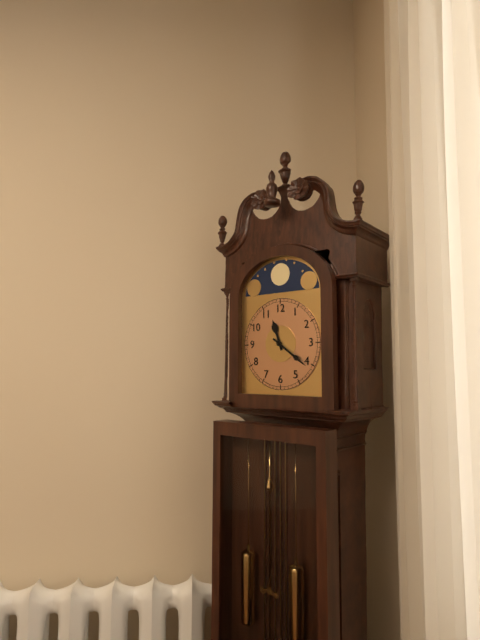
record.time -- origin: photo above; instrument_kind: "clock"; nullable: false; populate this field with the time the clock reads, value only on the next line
11:21
